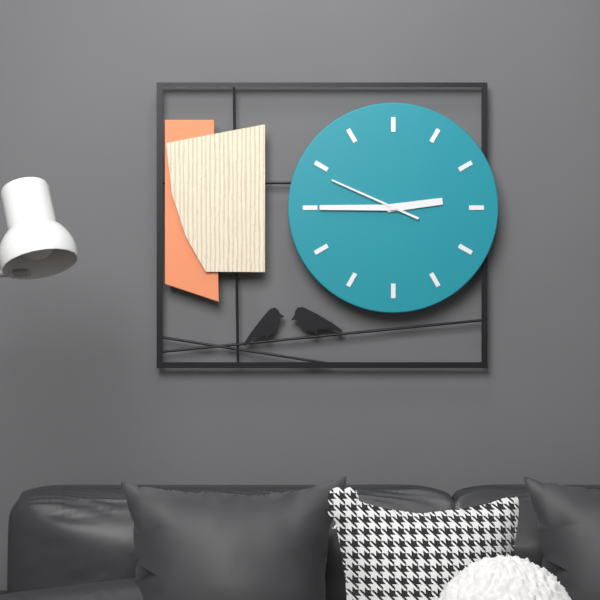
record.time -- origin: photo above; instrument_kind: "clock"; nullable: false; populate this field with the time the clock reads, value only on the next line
2:45:49
